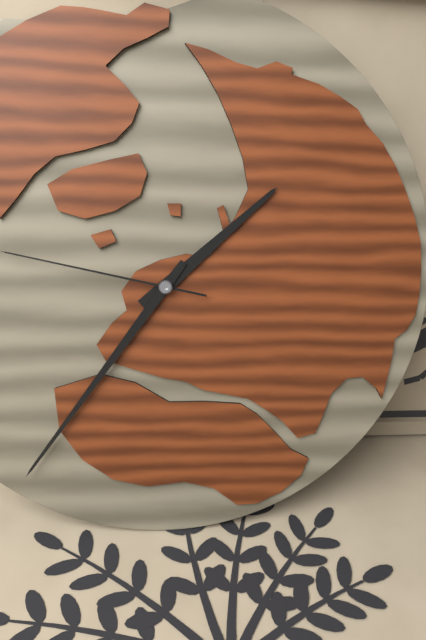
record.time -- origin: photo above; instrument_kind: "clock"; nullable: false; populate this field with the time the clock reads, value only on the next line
1:36
